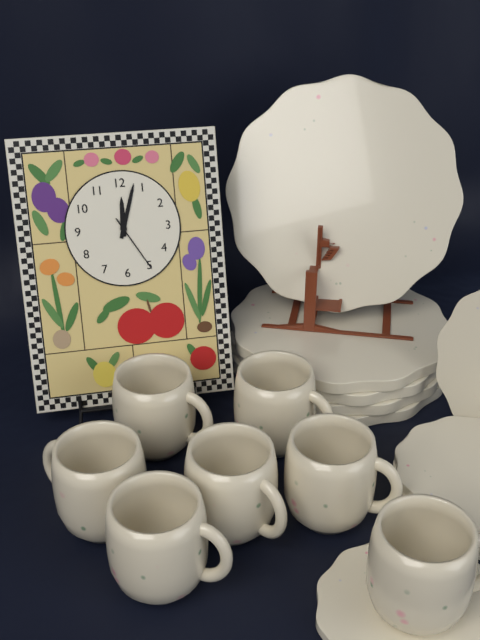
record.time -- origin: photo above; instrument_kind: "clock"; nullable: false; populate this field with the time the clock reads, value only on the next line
12:03:25
